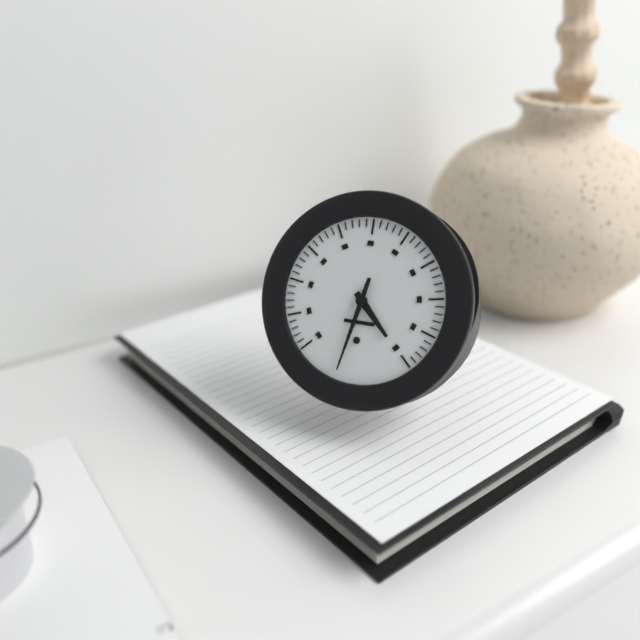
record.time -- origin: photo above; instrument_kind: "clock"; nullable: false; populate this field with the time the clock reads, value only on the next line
4:32
